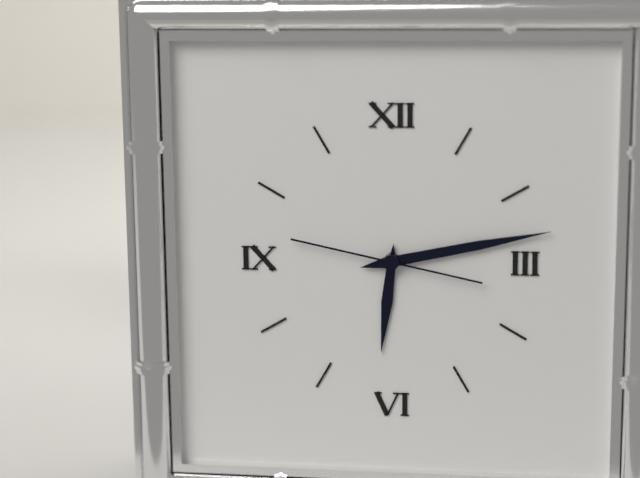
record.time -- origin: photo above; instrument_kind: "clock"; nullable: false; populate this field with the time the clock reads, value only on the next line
6:13:47
